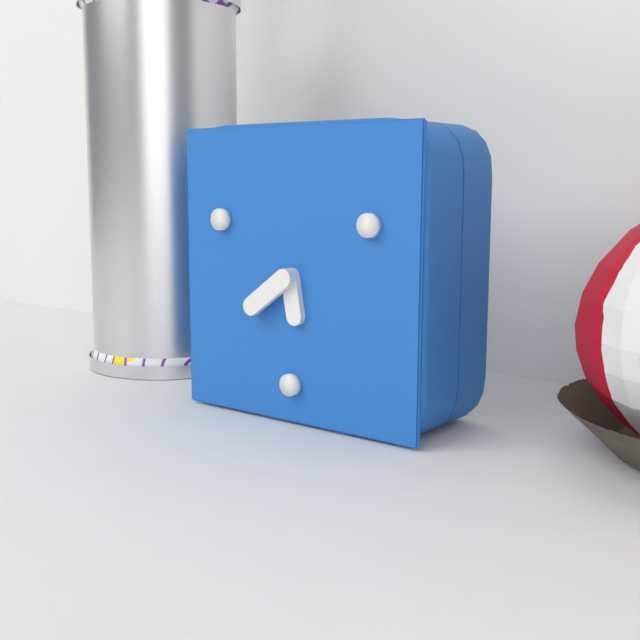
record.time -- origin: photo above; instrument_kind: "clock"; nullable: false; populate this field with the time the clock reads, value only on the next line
5:39
